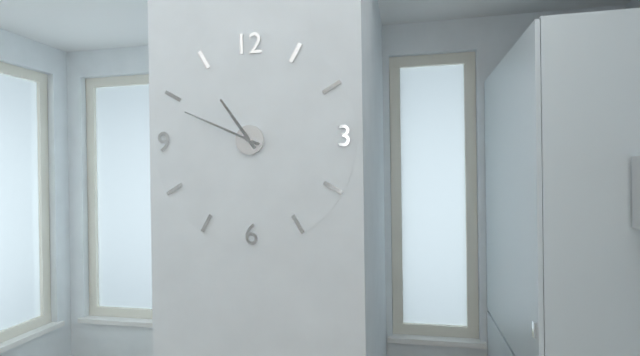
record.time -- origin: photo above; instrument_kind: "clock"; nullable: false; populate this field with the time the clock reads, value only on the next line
10:49
